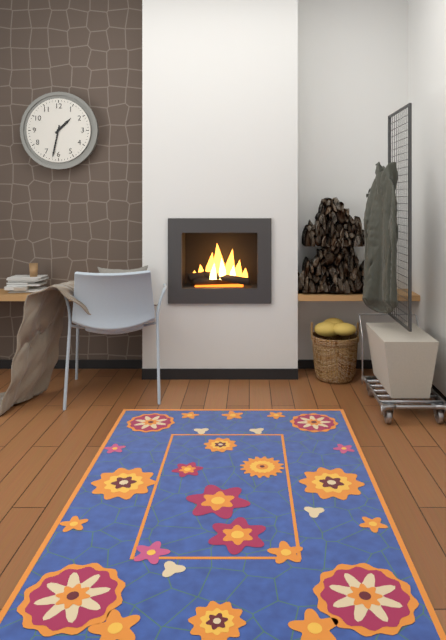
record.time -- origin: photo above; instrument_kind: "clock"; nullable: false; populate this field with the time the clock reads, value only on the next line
1:32
